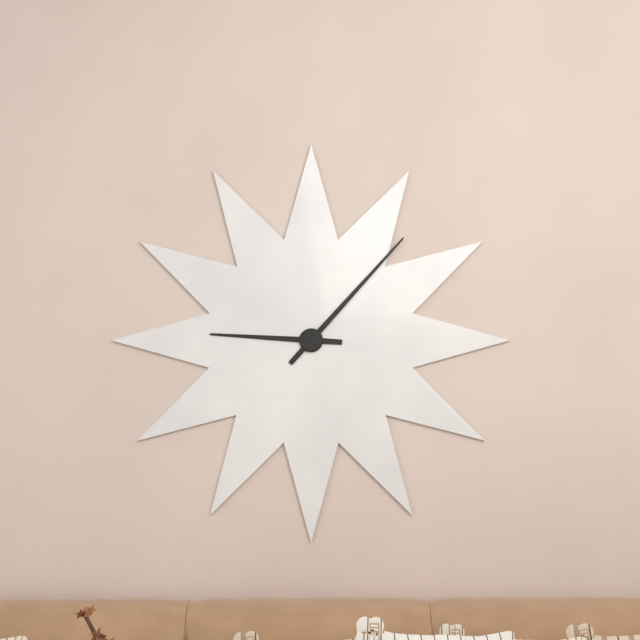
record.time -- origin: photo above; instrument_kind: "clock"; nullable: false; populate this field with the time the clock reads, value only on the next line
9:07
